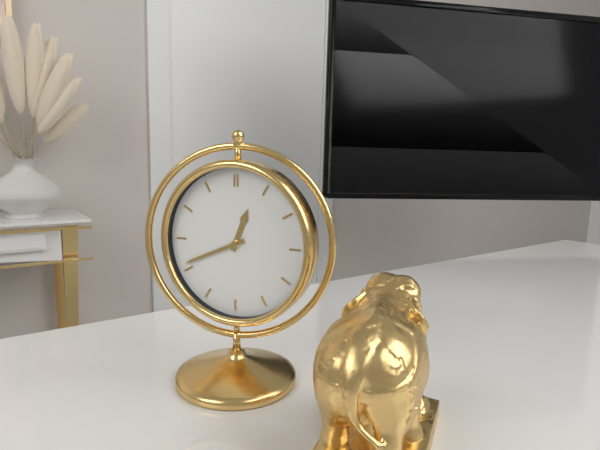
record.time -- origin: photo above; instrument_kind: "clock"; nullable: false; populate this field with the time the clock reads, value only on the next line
12:41
